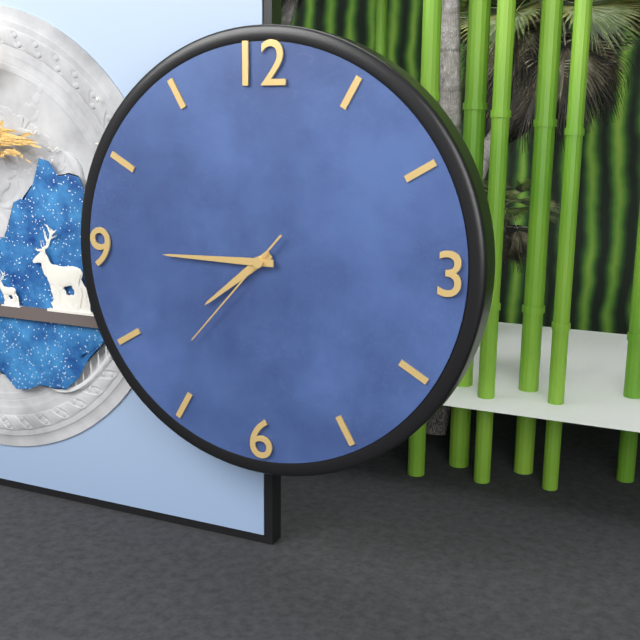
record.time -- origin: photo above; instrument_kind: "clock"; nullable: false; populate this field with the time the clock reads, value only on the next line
7:45:37
